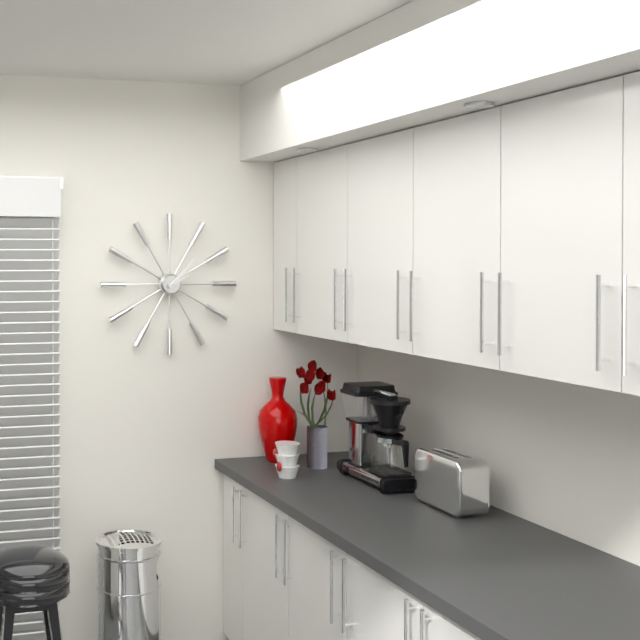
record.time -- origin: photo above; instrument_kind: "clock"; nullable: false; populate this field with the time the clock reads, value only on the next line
2:07
